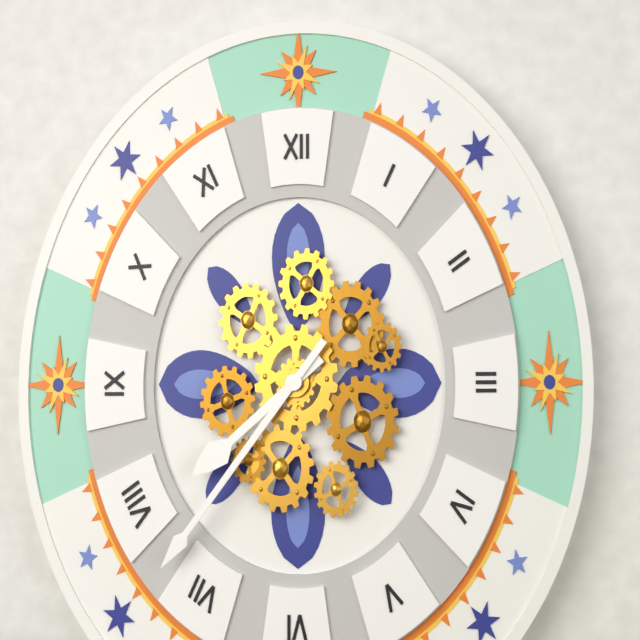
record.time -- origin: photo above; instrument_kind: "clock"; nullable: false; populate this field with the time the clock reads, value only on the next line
7:36
